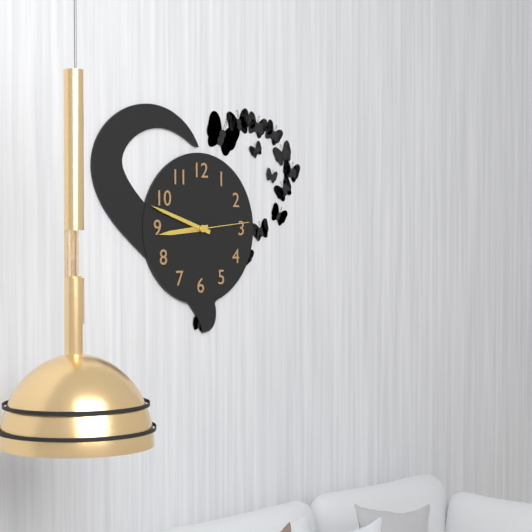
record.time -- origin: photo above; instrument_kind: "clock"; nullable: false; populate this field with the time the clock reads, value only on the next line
8:48:14
